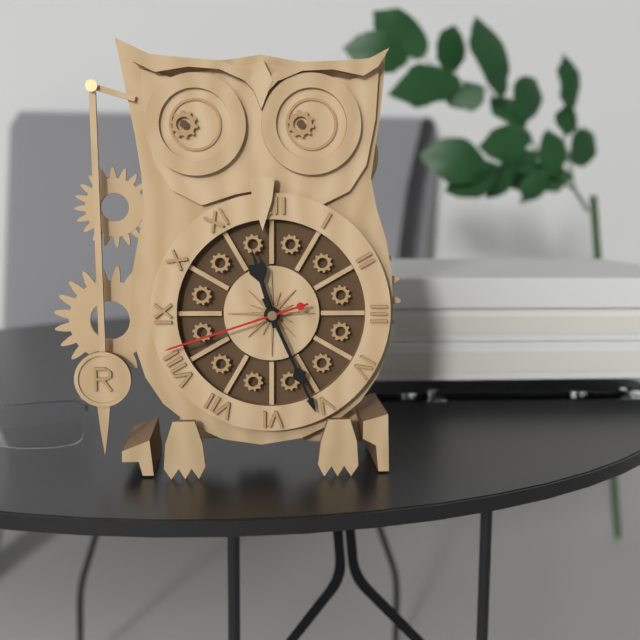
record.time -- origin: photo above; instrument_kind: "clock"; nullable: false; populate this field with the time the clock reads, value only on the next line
11:26:42
